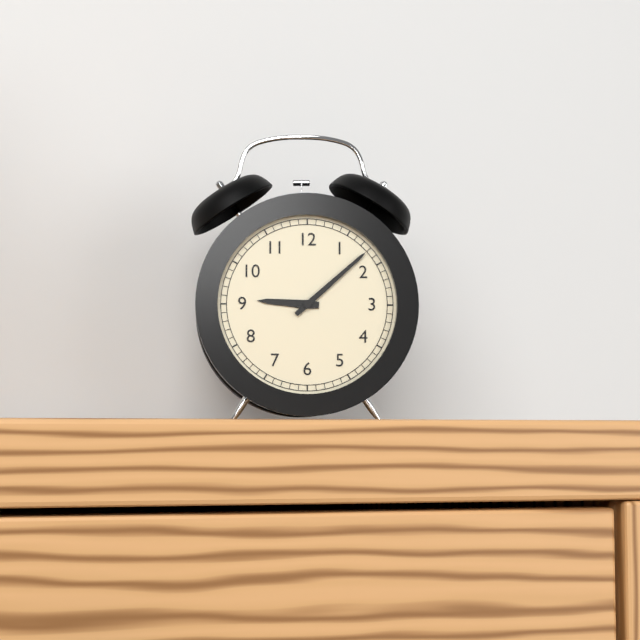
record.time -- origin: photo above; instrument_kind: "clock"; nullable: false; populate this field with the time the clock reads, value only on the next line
9:08
